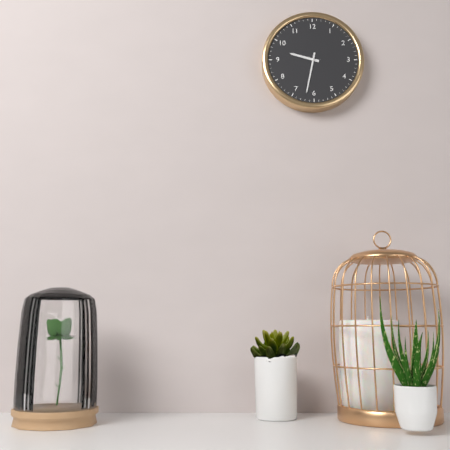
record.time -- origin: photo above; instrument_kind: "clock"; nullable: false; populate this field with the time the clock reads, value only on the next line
9:32
